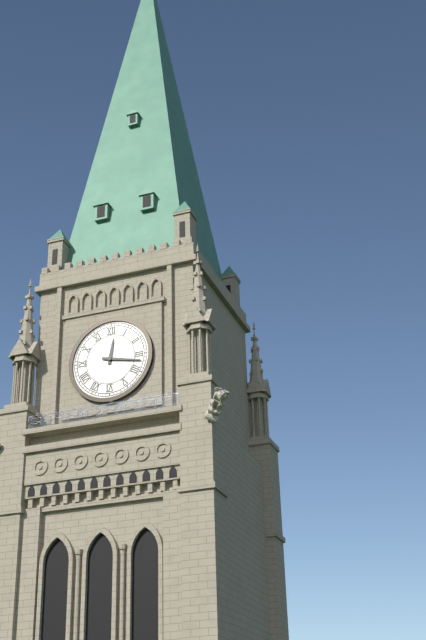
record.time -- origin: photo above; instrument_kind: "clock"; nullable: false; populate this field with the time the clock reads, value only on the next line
12:17
